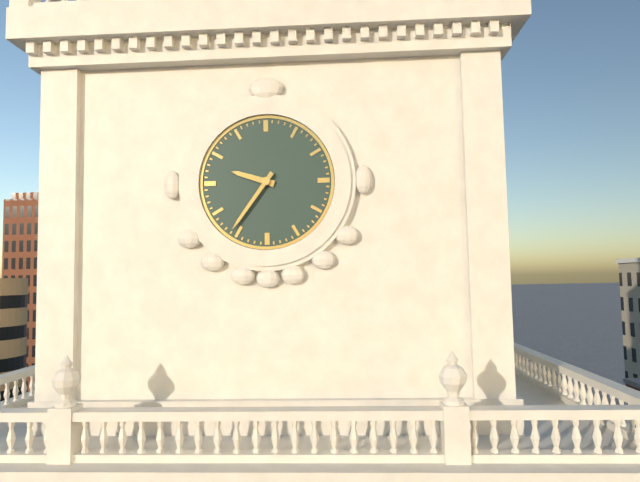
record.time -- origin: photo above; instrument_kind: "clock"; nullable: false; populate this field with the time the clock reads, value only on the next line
9:36
